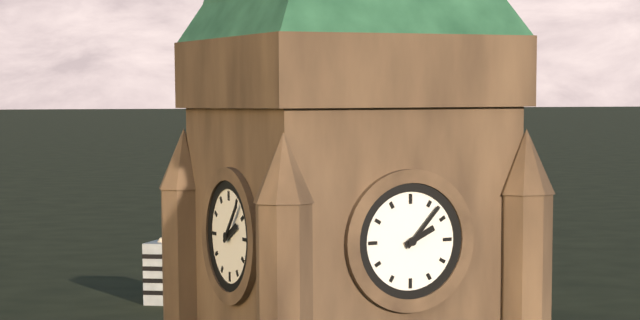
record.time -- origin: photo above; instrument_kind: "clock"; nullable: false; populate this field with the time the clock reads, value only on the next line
2:07
